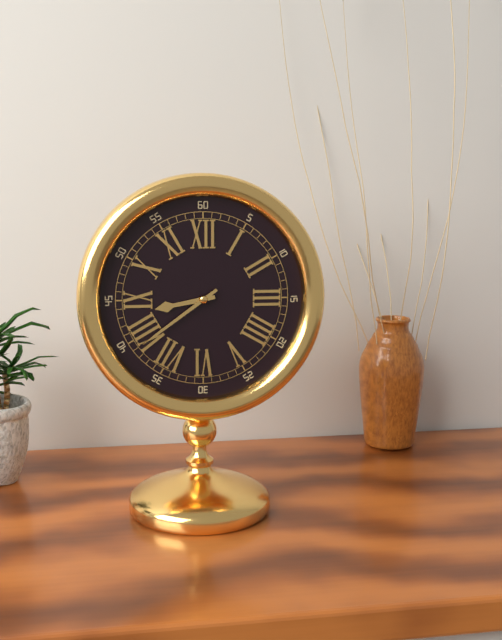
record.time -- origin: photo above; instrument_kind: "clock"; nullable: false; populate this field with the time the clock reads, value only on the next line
8:39
